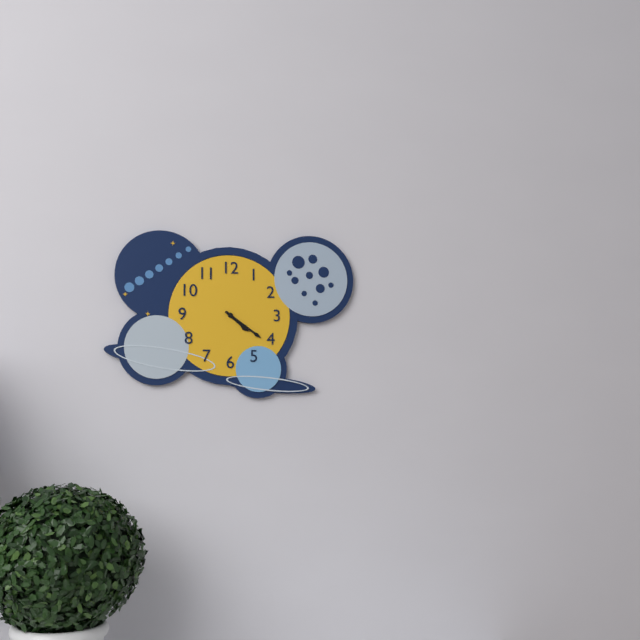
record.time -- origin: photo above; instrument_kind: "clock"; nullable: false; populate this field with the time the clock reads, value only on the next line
4:21
